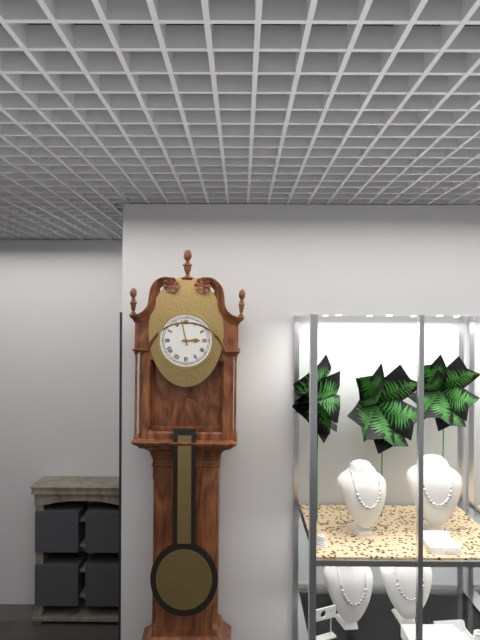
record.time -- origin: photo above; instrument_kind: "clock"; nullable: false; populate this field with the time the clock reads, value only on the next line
2:58
